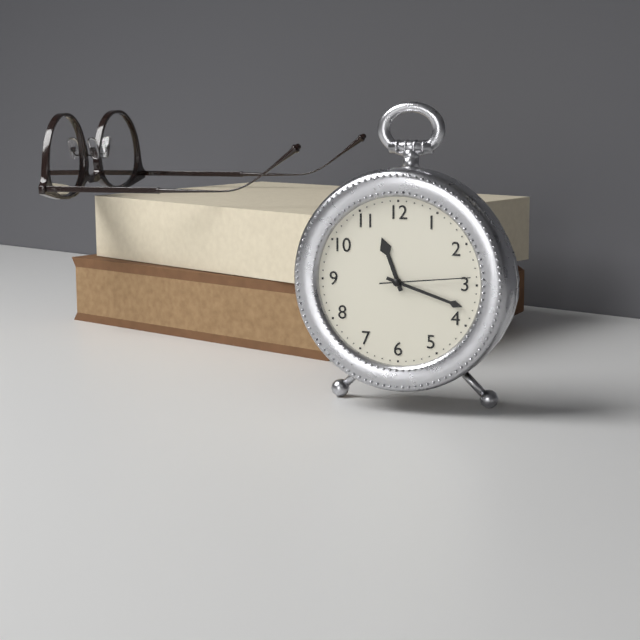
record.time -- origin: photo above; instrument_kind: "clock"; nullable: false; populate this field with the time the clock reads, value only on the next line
11:18:14
